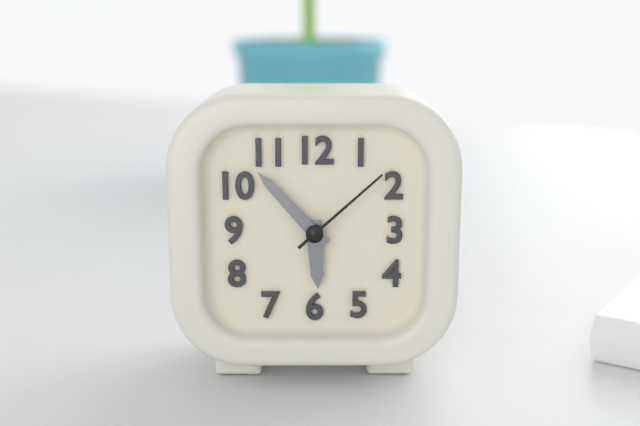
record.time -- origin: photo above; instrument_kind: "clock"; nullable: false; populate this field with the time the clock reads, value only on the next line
5:53:08
